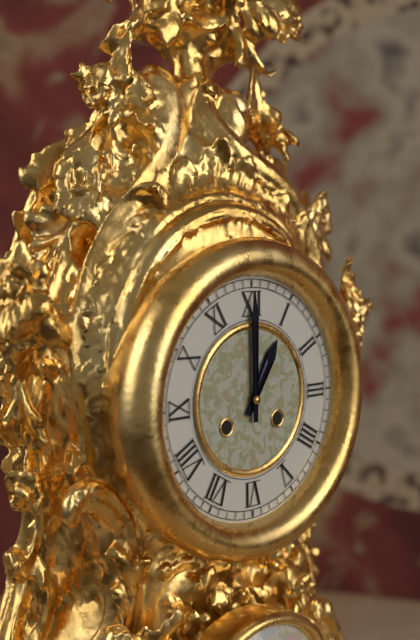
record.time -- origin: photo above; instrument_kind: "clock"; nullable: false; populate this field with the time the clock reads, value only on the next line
1:00
